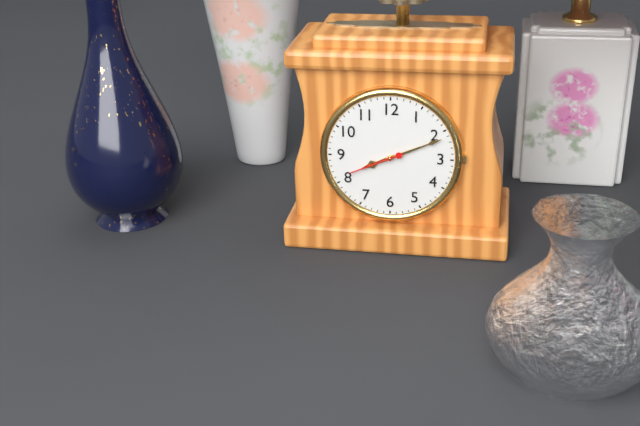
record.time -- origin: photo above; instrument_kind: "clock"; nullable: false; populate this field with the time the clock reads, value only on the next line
8:11:41
